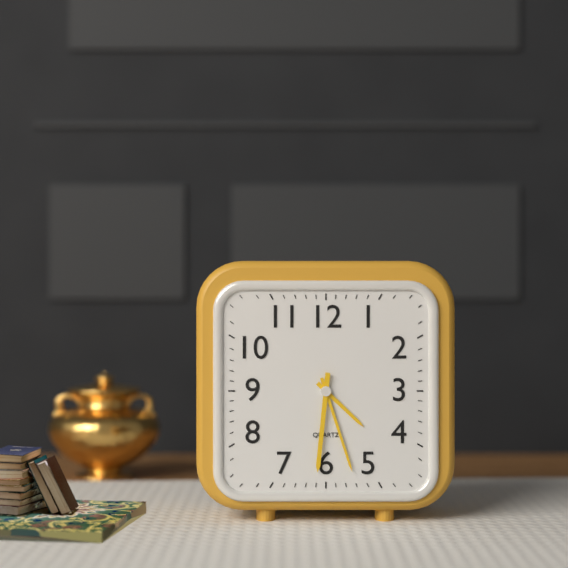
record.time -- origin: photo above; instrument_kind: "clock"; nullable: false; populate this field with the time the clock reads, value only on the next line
4:27:31
